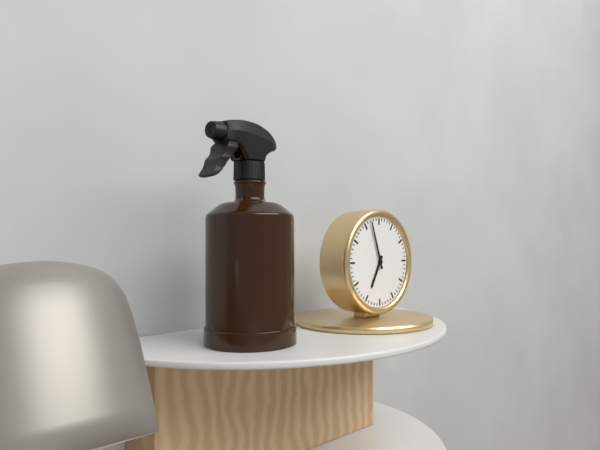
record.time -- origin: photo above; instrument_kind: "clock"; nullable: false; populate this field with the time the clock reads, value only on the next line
6:57
